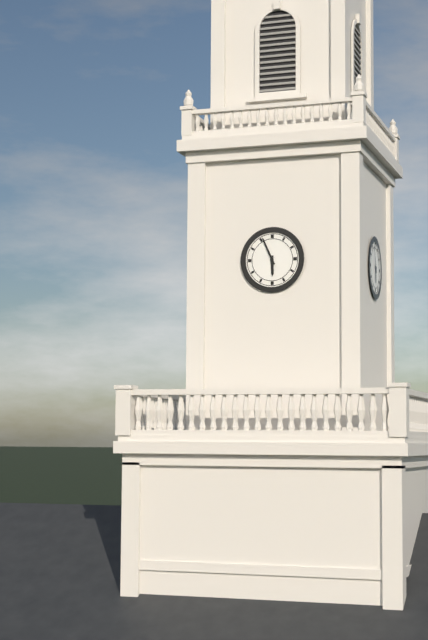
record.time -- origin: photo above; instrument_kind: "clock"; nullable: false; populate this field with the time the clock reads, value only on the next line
5:56
